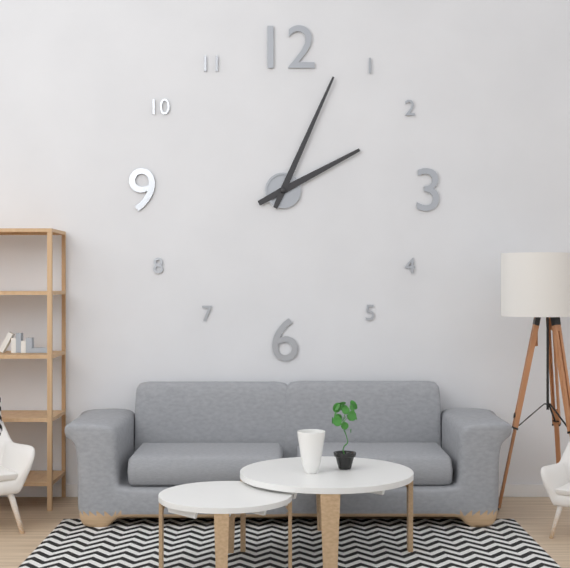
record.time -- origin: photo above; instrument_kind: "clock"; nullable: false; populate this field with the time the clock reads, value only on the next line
2:04
